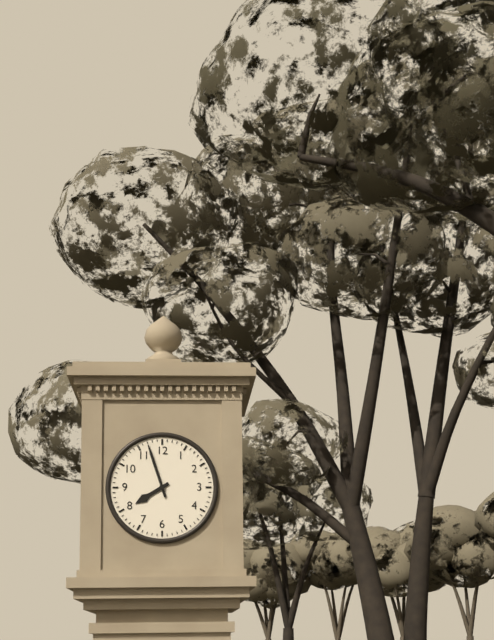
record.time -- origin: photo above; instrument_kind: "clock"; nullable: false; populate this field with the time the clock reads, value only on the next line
7:57
